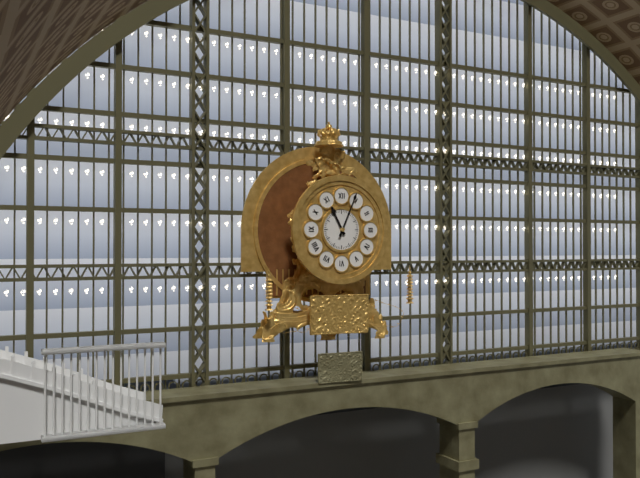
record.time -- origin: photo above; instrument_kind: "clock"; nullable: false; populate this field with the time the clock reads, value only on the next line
11:04
